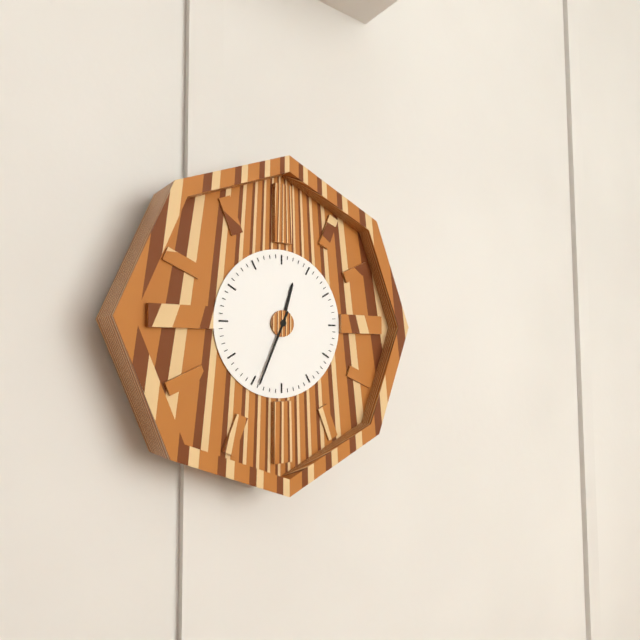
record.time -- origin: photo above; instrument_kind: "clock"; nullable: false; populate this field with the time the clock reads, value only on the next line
12:34
